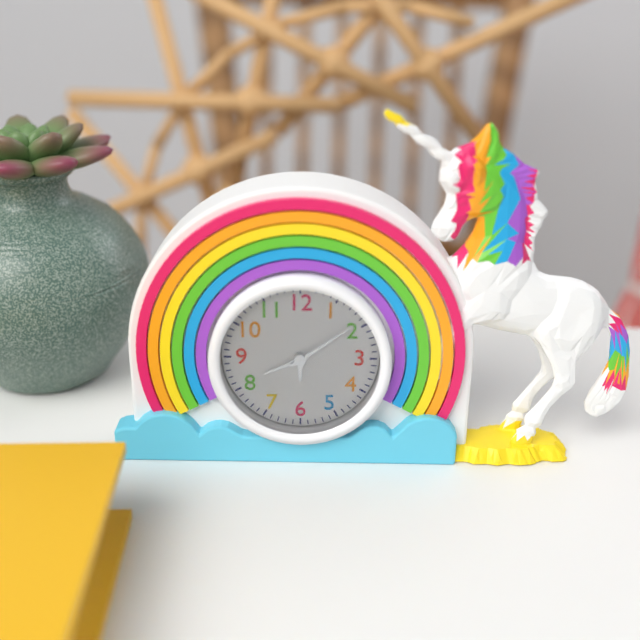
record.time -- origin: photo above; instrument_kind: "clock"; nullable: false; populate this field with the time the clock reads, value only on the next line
8:09
